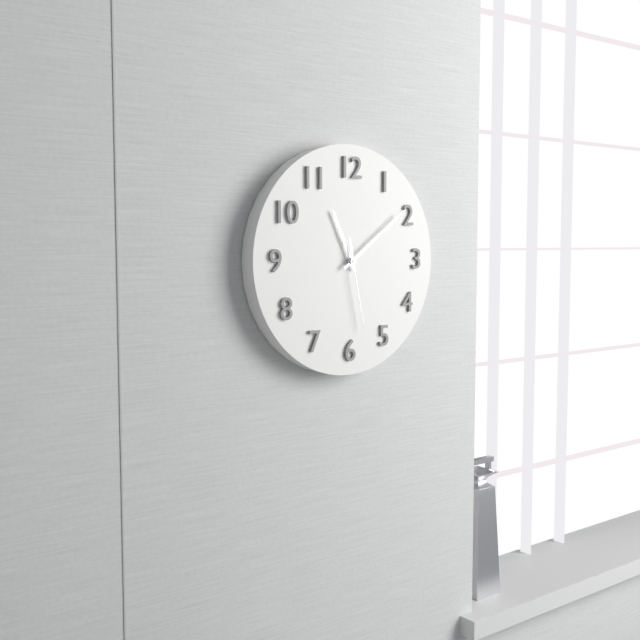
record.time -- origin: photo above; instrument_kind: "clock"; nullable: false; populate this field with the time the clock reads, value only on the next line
11:09:28
